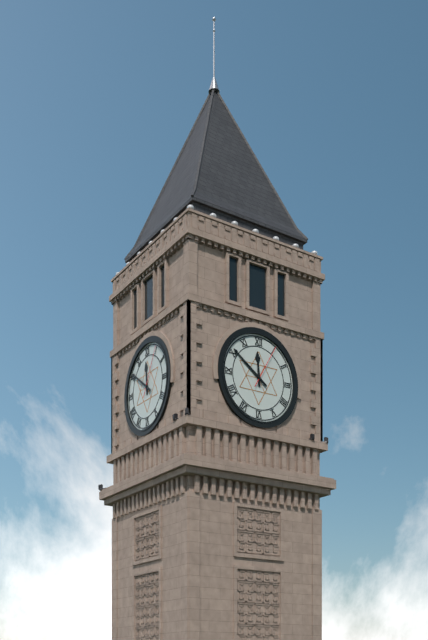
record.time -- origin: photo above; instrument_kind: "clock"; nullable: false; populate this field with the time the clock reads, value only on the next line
11:51
